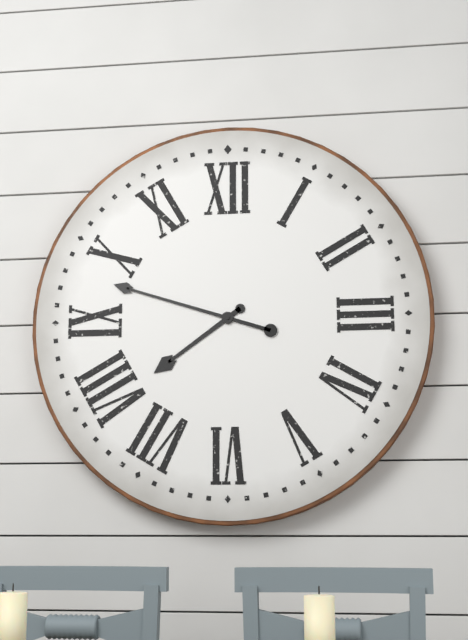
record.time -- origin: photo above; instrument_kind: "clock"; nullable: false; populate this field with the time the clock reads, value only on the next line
7:48
